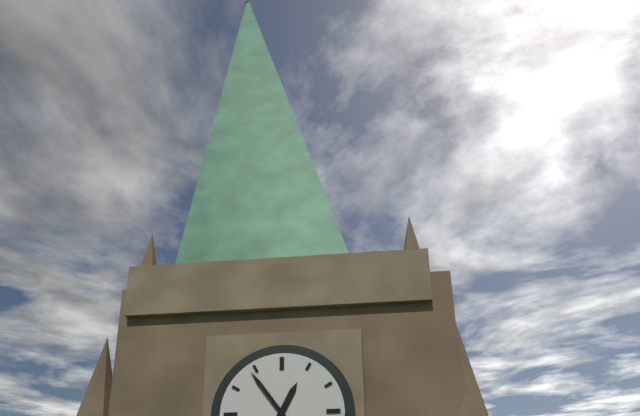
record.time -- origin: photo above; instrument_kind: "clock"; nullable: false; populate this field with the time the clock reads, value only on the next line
12:54
